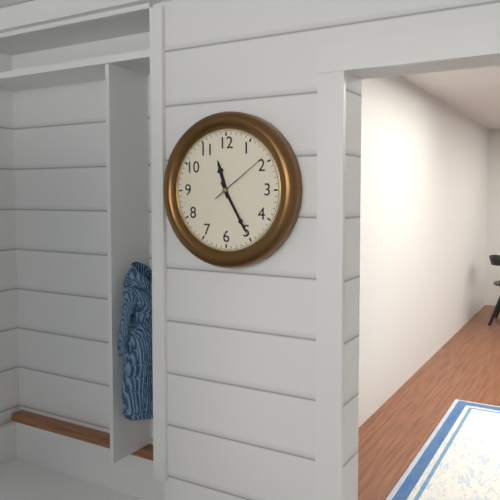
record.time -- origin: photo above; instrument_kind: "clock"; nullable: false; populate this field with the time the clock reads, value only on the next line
11:25:09
